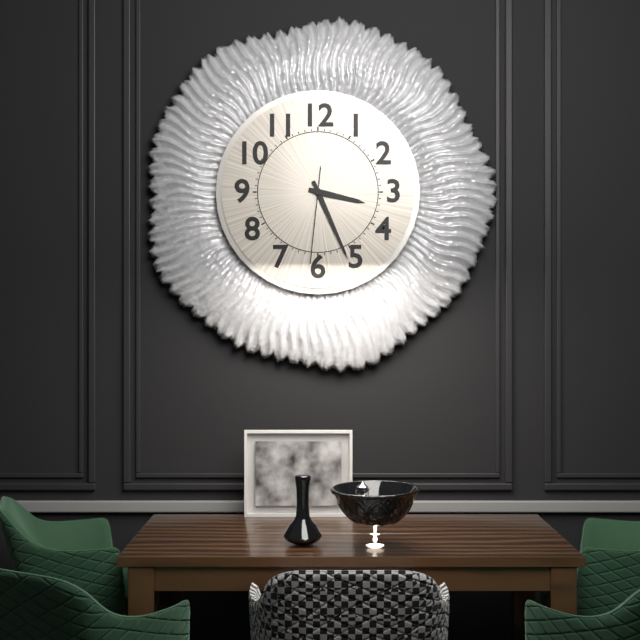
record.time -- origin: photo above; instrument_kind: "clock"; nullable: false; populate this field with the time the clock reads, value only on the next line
3:26:31
